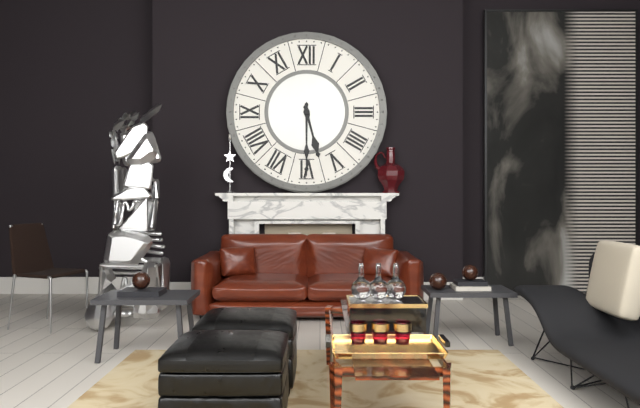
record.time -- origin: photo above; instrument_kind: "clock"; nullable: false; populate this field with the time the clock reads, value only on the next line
5:30
